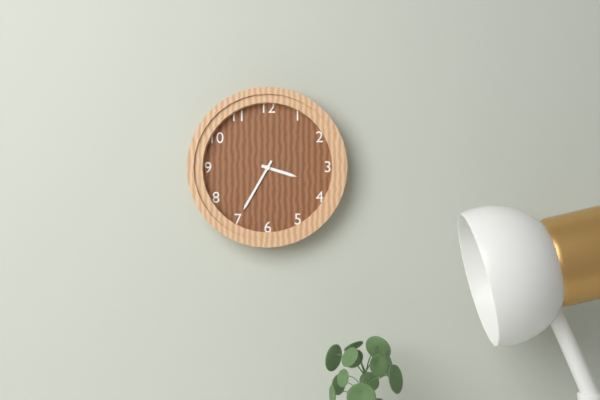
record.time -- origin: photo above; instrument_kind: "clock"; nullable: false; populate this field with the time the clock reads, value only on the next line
3:35
